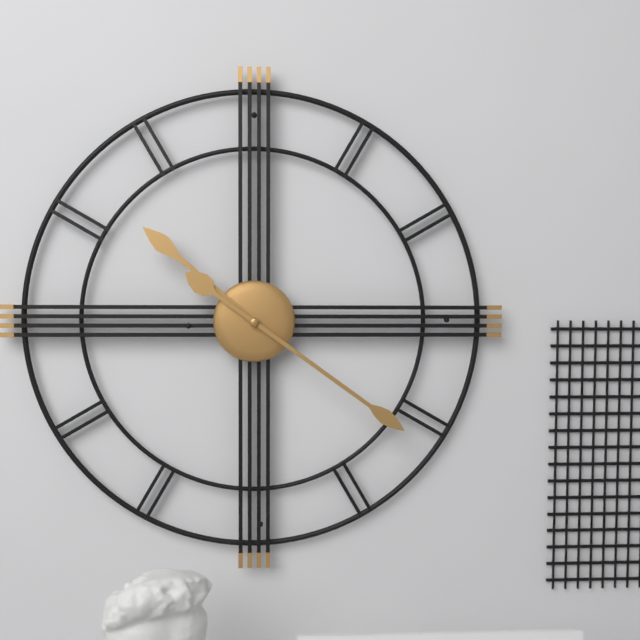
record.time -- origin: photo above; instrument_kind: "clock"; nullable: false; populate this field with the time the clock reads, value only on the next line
10:21
